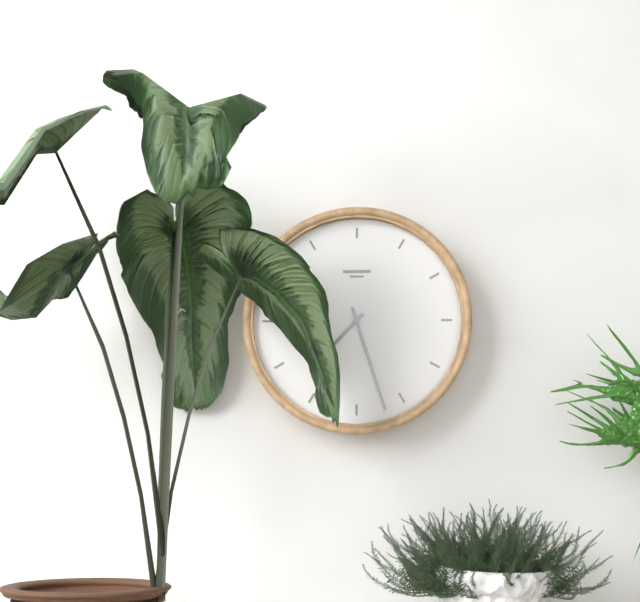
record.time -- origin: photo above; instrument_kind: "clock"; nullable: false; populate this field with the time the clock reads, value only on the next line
7:27
